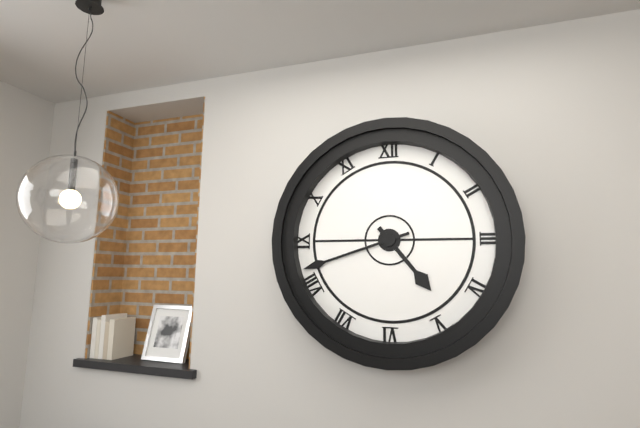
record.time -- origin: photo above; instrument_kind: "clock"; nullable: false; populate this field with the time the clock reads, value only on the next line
4:42
